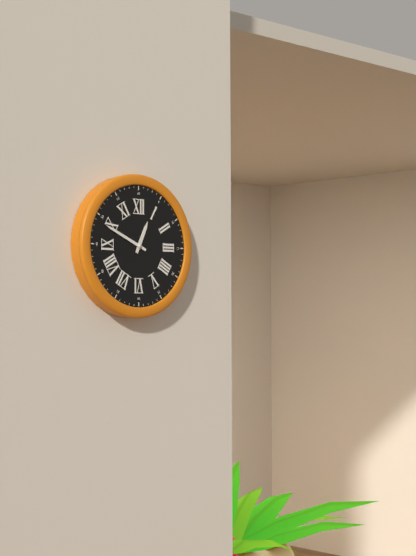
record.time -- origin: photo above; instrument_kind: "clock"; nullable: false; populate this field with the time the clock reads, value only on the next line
12:49
